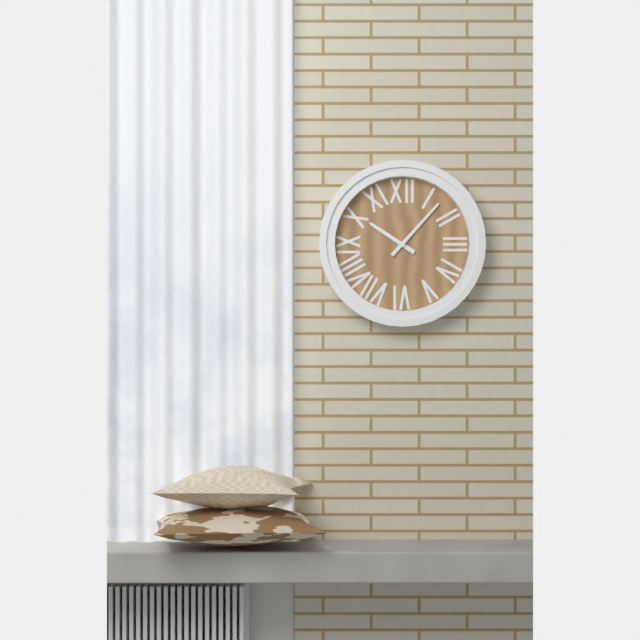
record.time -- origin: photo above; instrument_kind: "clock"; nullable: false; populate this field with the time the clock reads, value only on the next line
10:07
